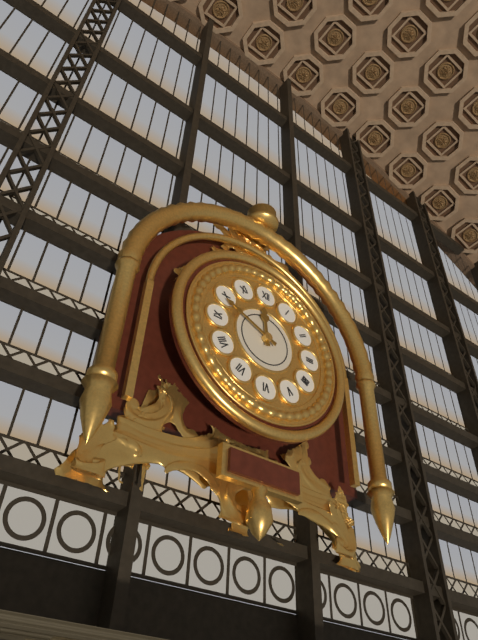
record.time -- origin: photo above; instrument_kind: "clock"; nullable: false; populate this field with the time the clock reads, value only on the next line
11:49
